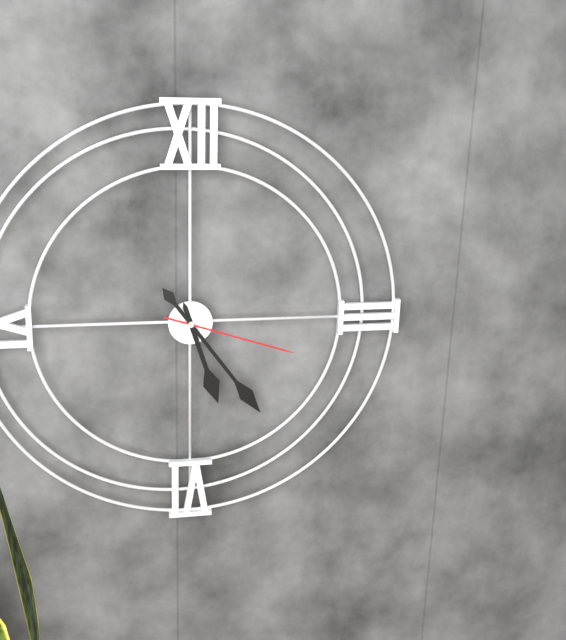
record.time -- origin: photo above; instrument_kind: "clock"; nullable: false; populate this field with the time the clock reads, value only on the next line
5:24:18
